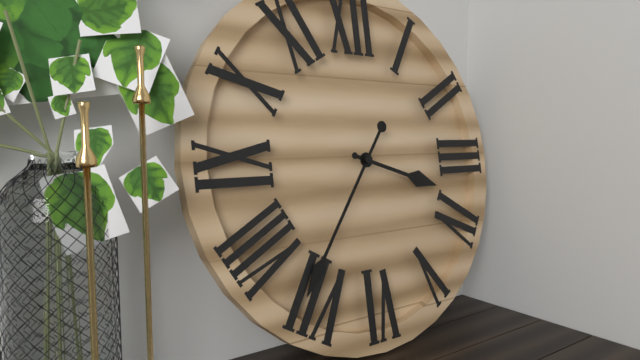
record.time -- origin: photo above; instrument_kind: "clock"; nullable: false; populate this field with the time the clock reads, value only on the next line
3:36
